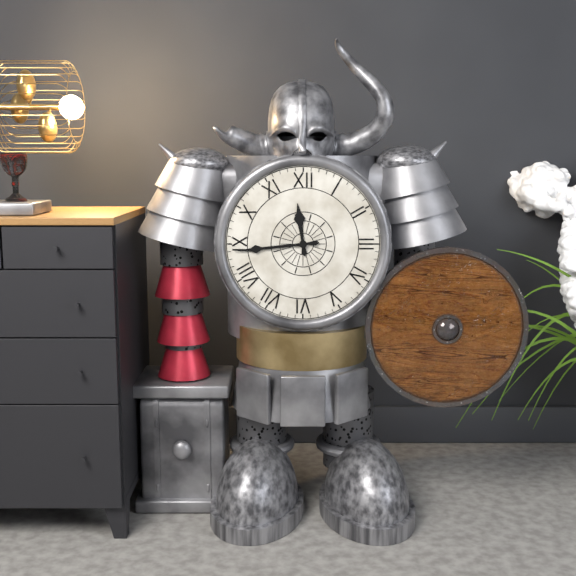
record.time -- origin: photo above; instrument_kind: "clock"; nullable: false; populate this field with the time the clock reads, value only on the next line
11:44
